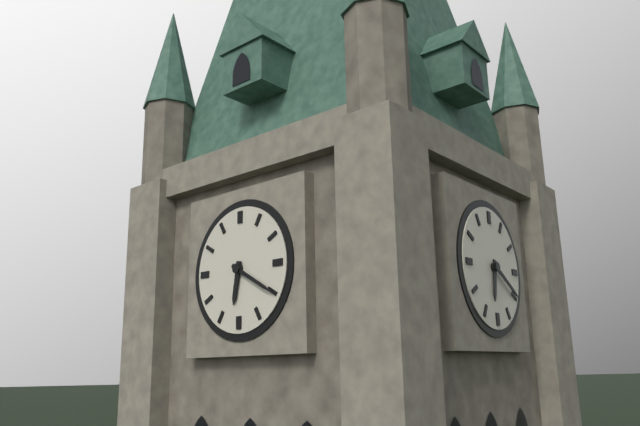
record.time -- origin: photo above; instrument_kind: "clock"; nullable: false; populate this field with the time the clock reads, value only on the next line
6:20
